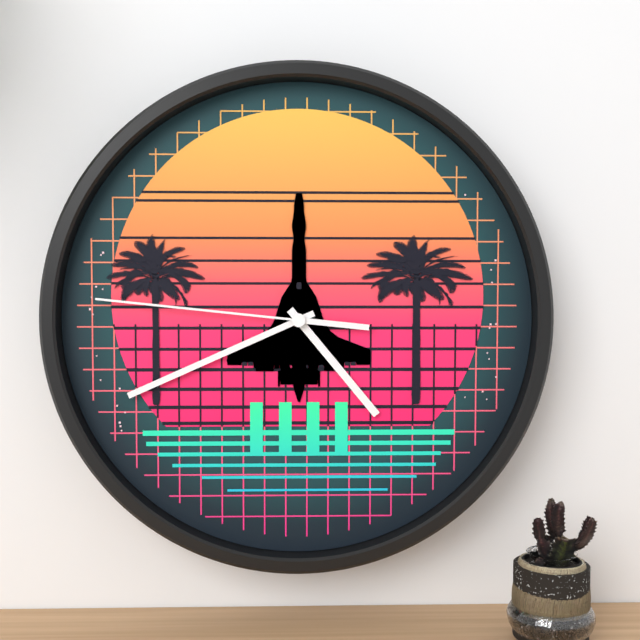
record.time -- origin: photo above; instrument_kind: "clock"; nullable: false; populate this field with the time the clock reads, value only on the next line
4:41:46
